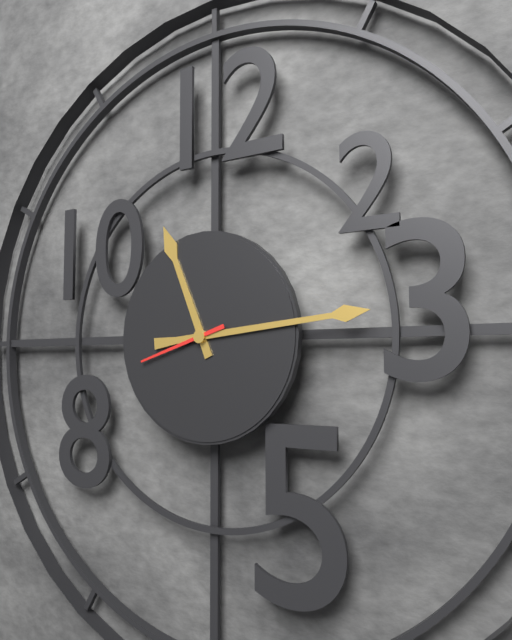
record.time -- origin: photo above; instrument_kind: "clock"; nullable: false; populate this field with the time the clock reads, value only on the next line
11:14:42
